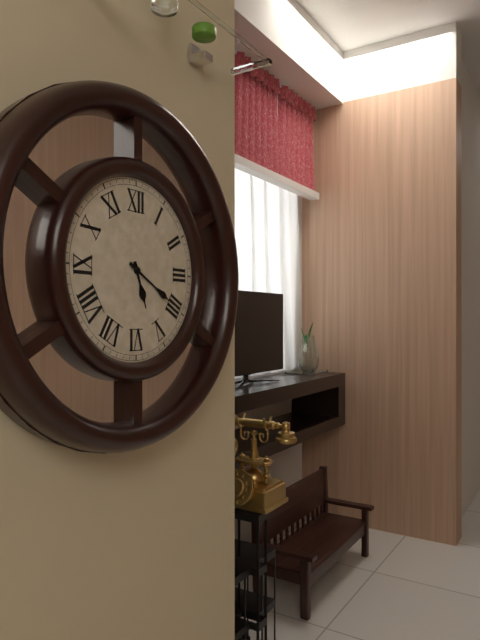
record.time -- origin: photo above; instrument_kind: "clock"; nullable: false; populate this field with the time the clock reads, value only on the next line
5:20
